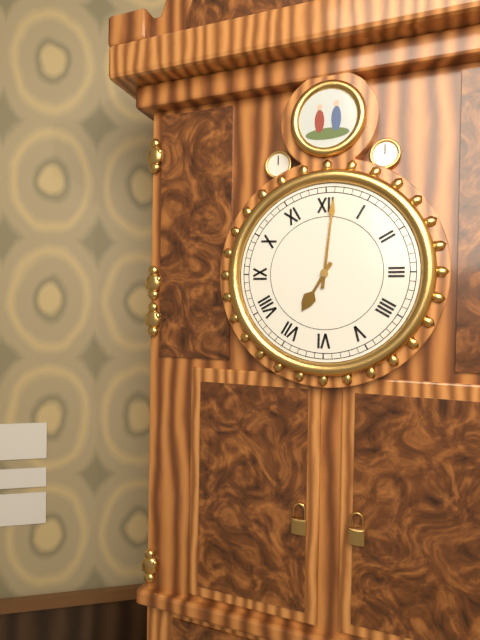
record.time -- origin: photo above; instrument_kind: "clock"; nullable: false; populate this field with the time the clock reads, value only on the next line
7:01
